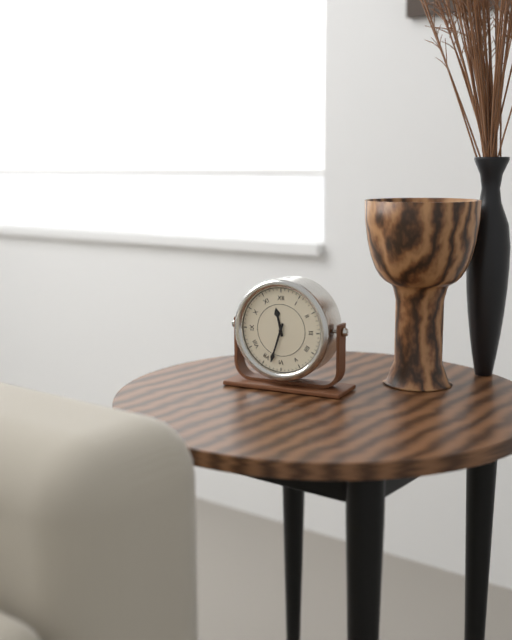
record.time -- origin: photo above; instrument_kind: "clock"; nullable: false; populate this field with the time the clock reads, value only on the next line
11:33
